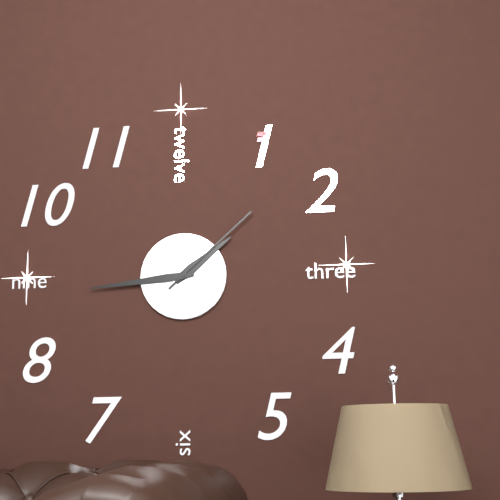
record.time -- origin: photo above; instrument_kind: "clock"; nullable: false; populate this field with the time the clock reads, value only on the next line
1:44:08
